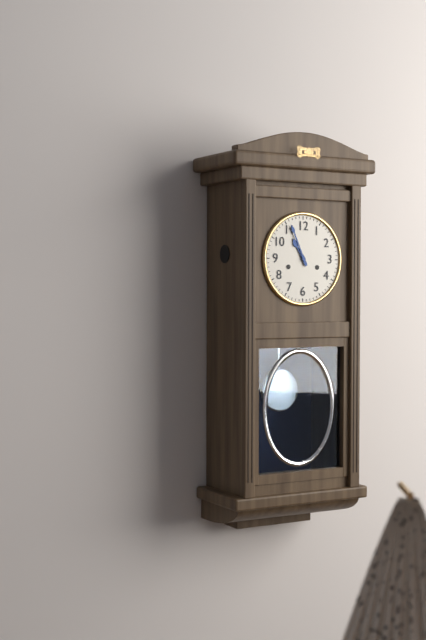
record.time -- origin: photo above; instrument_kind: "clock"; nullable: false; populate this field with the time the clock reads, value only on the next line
10:56
